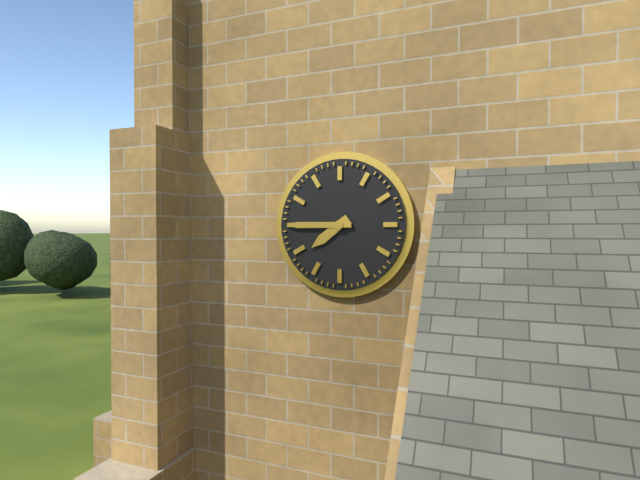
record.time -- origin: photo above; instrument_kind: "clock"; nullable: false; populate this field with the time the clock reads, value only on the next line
7:45
